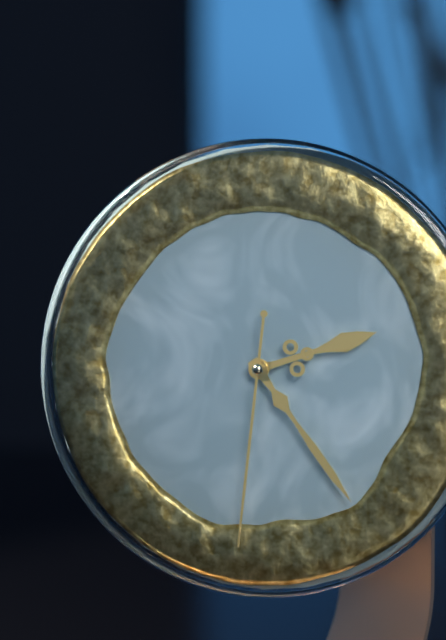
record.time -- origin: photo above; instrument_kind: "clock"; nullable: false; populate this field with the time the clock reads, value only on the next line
2:24:31
